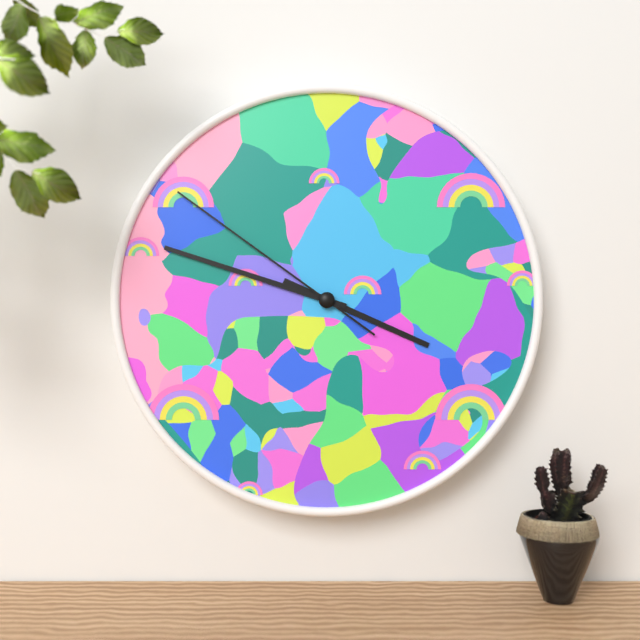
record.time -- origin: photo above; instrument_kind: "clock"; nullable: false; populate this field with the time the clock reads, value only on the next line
3:48:51
